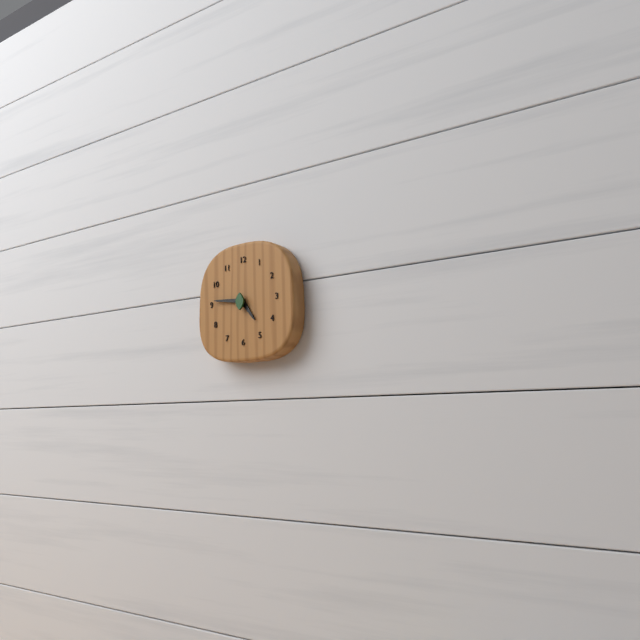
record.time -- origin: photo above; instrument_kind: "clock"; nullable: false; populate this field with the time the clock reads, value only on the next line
4:46
